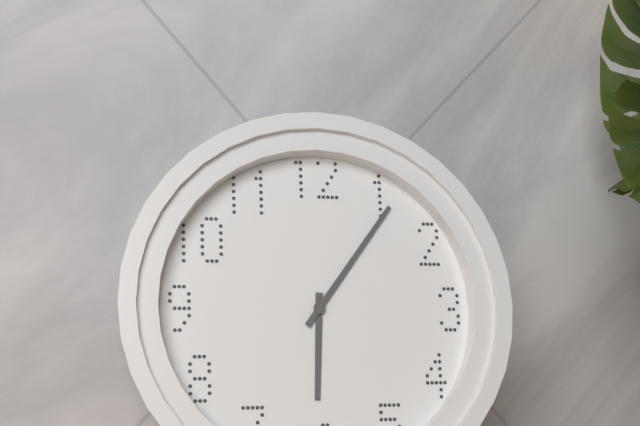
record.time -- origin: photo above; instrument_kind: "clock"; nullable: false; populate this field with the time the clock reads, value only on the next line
6:06
